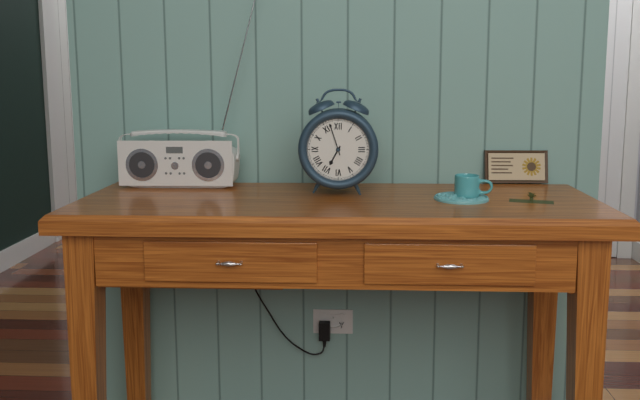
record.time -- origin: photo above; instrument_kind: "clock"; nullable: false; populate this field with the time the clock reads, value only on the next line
6:57
